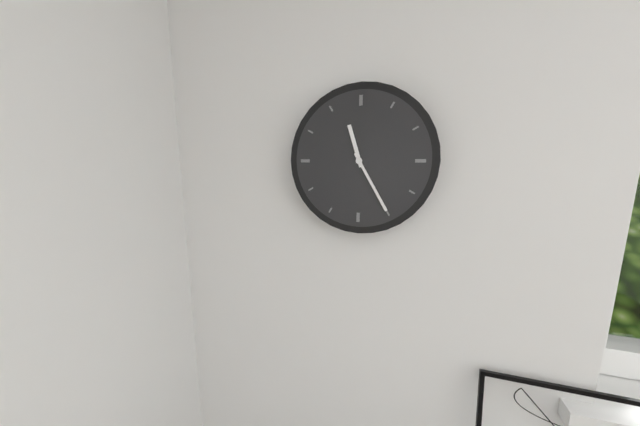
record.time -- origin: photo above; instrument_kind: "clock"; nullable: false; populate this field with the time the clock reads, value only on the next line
11:25
